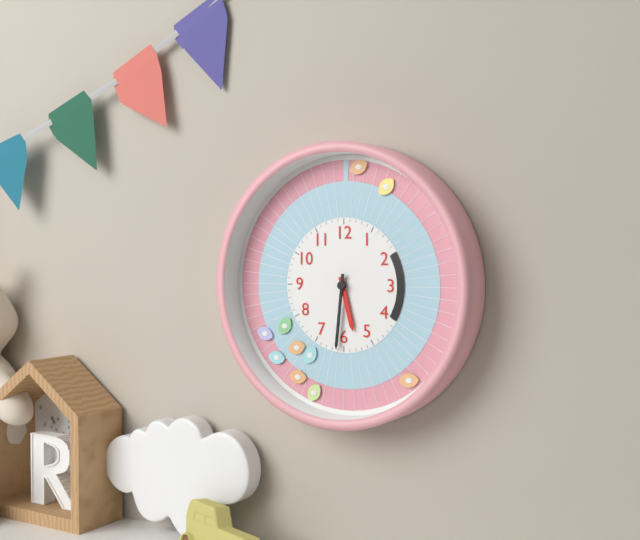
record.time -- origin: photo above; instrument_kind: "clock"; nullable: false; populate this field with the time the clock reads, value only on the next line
5:31
